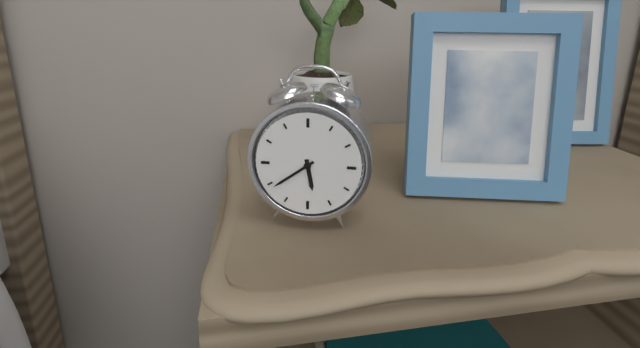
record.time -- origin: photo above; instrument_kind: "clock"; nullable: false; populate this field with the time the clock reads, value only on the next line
5:39
